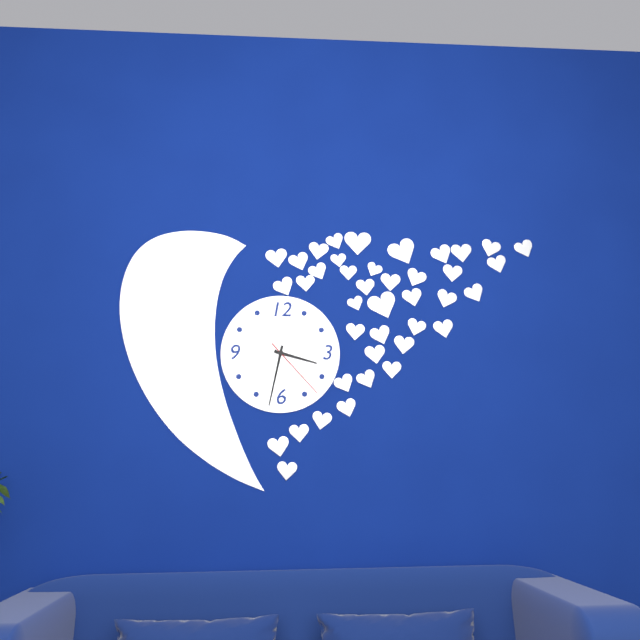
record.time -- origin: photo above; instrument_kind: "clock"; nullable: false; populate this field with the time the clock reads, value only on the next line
3:32:23
